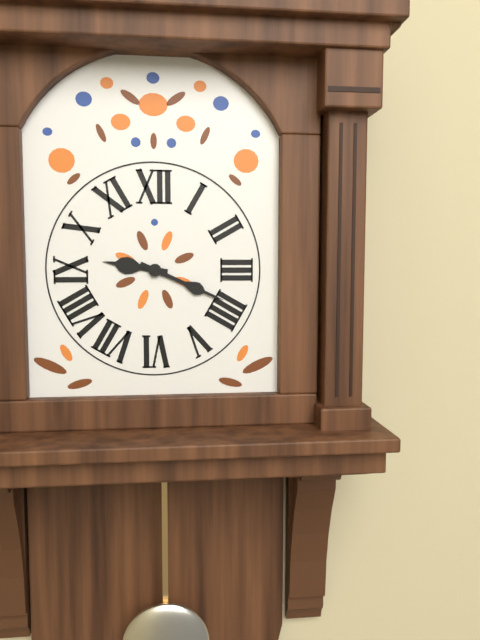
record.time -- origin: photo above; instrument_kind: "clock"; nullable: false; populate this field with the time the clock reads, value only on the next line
9:19
